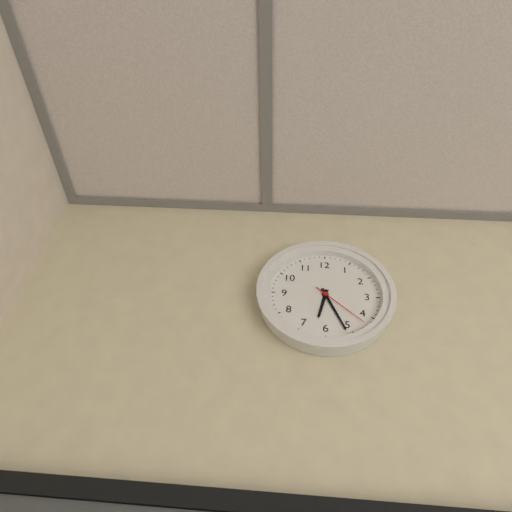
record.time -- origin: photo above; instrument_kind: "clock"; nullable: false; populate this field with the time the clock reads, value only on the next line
6:26:22
